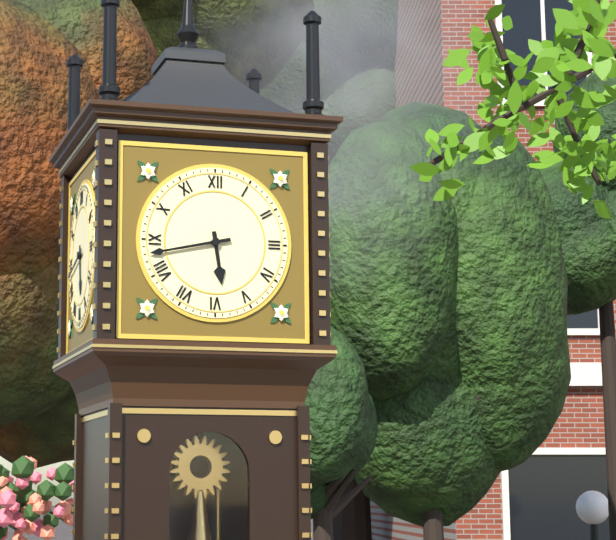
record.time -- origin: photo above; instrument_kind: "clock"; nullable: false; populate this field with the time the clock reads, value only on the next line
5:43
